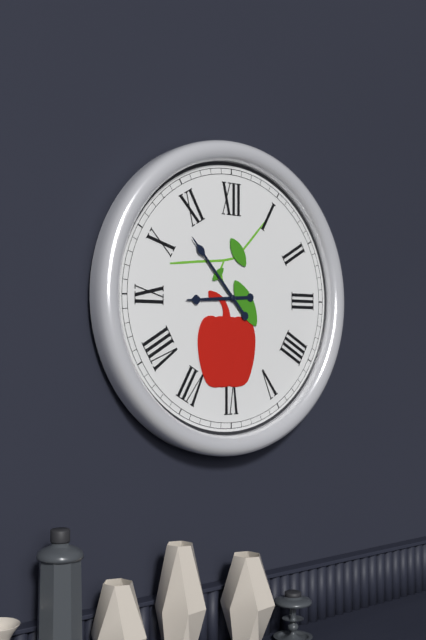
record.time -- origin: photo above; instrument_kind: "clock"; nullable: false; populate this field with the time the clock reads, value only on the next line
8:53
